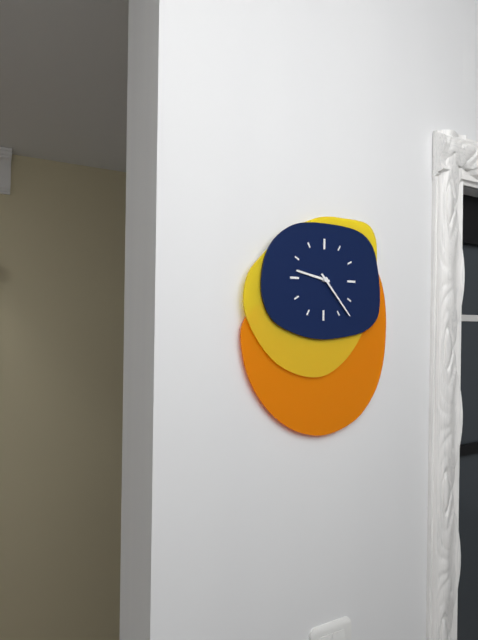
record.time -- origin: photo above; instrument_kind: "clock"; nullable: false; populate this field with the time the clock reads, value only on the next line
9:23
